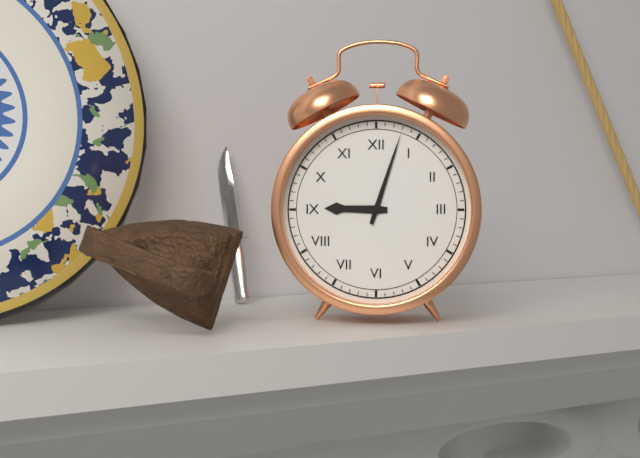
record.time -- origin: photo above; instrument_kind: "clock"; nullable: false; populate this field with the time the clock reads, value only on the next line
9:03
